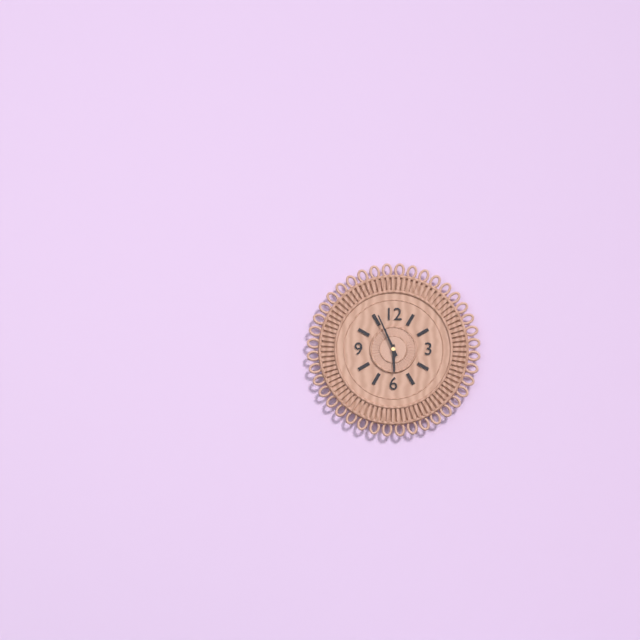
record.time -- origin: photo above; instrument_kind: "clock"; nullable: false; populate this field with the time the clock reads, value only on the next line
5:56
